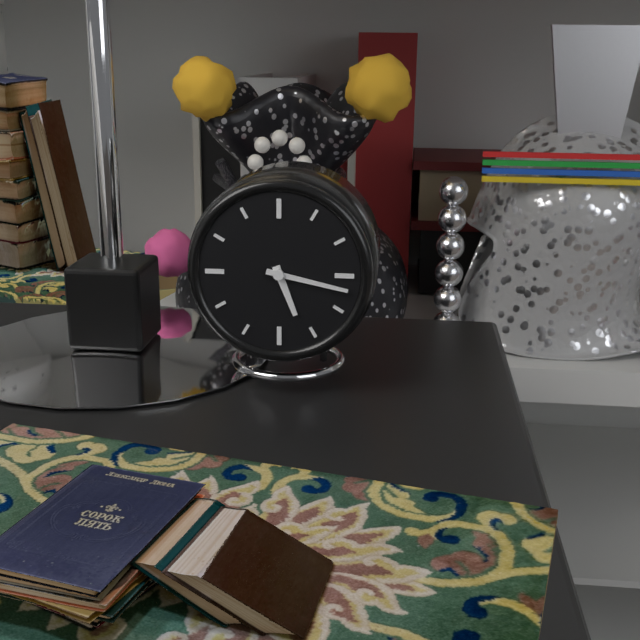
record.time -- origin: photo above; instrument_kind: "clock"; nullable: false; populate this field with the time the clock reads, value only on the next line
5:17
